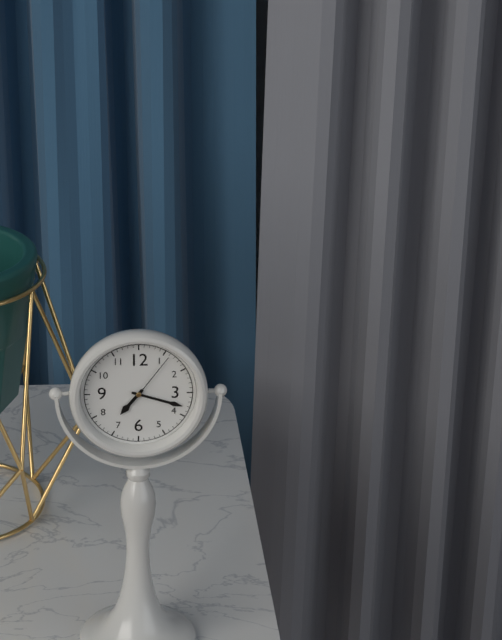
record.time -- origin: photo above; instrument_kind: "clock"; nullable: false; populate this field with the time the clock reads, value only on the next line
7:18:06
